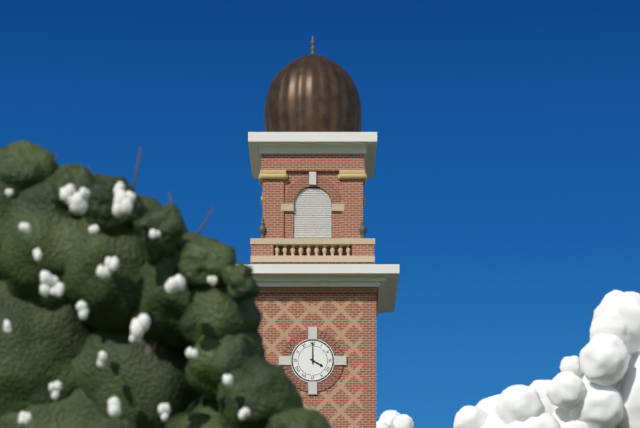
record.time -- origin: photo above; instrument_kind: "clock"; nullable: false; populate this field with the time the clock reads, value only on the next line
4:00
